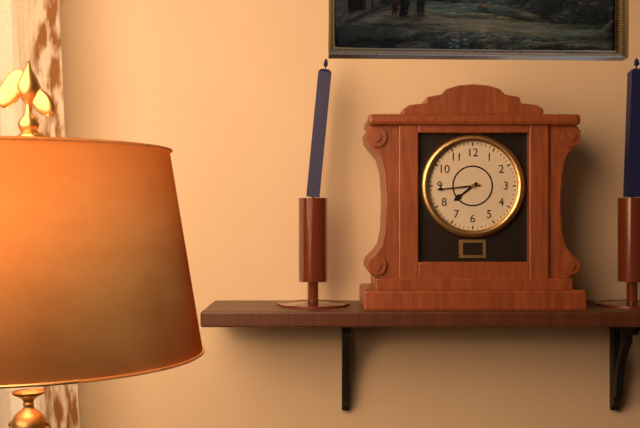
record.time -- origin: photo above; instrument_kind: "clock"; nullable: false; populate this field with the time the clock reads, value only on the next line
7:44
